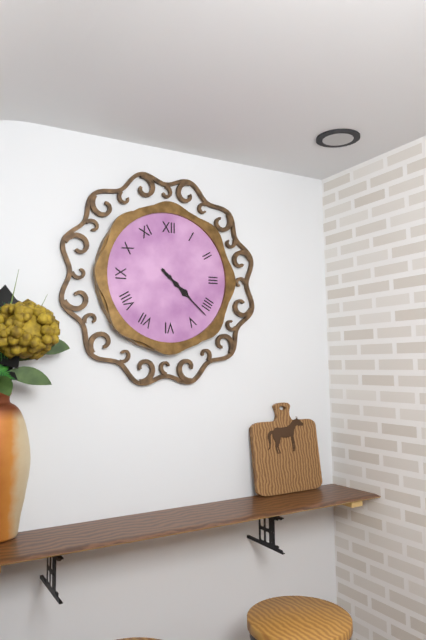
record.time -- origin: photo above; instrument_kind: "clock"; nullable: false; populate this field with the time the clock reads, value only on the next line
4:22
